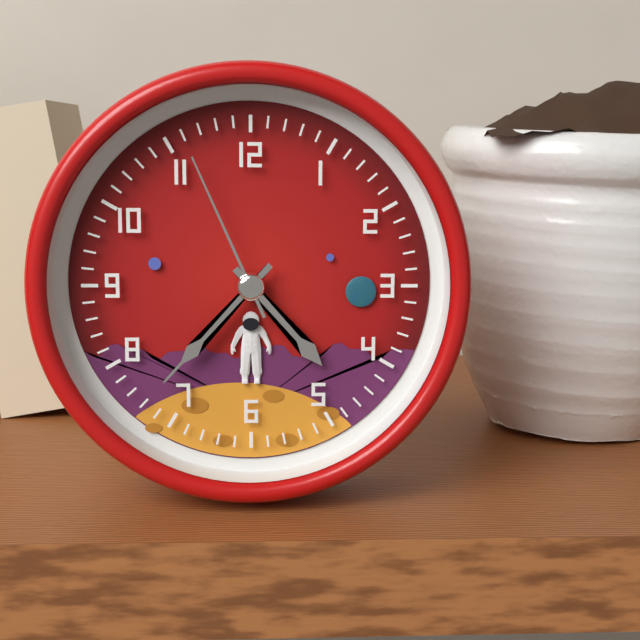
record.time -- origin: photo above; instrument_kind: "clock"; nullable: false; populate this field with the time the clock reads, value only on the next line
4:37:56
